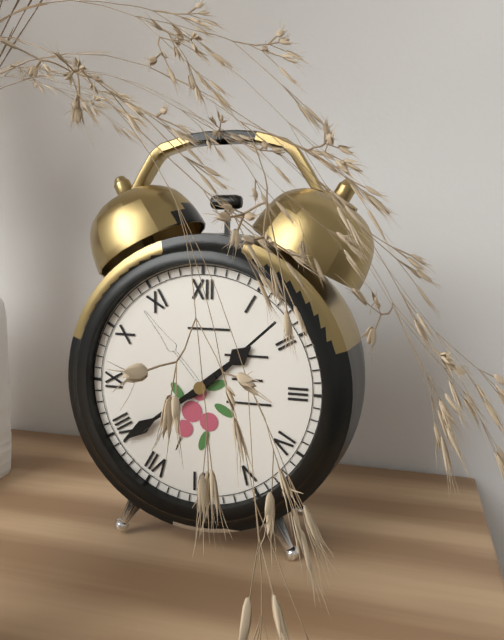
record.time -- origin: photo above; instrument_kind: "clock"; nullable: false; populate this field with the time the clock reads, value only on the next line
1:39
